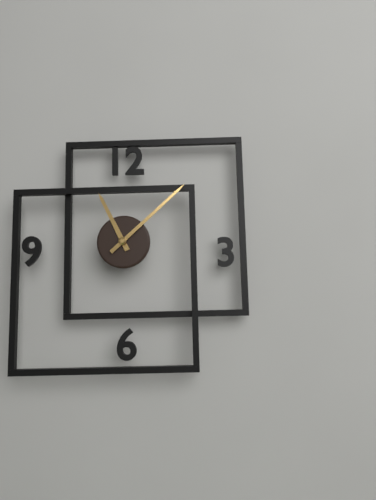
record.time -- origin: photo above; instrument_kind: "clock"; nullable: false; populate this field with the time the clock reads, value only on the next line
11:08
